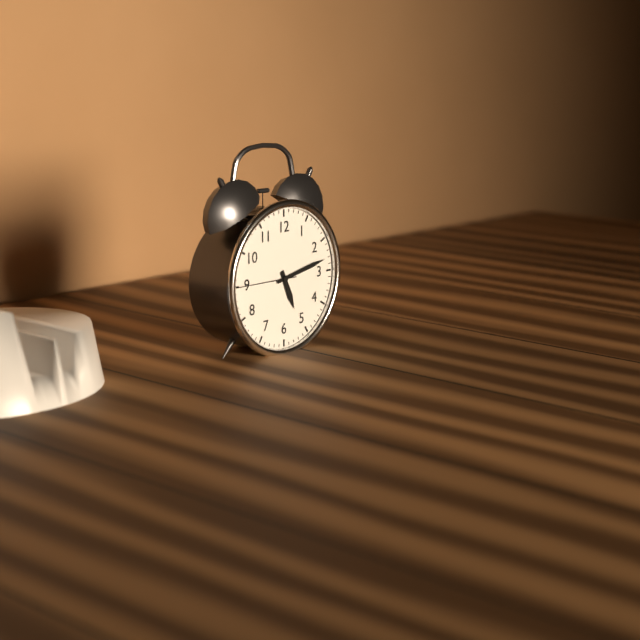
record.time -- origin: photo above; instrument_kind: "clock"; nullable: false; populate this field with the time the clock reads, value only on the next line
5:13:45
